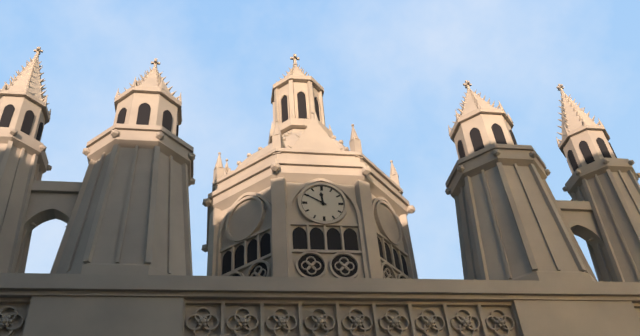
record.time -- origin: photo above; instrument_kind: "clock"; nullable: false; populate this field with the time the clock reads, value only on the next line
11:50
